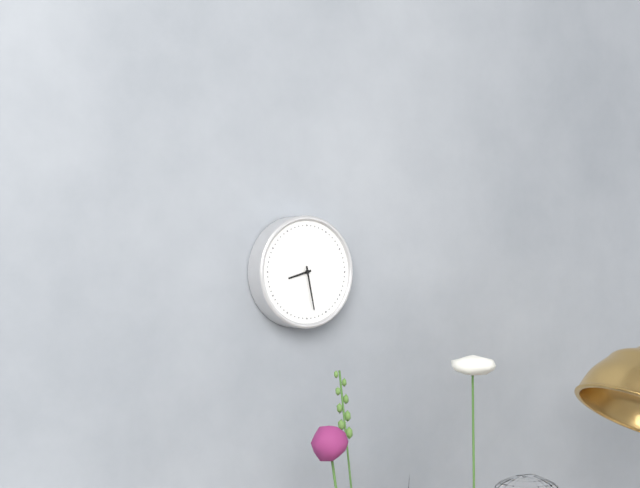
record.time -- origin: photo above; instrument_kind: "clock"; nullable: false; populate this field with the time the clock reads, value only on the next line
8:28
